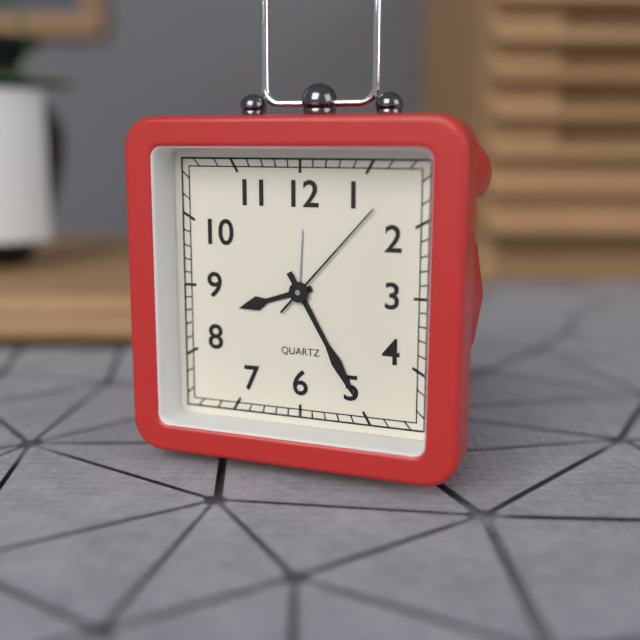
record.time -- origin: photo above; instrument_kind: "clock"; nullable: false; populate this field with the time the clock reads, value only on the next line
8:25:07
